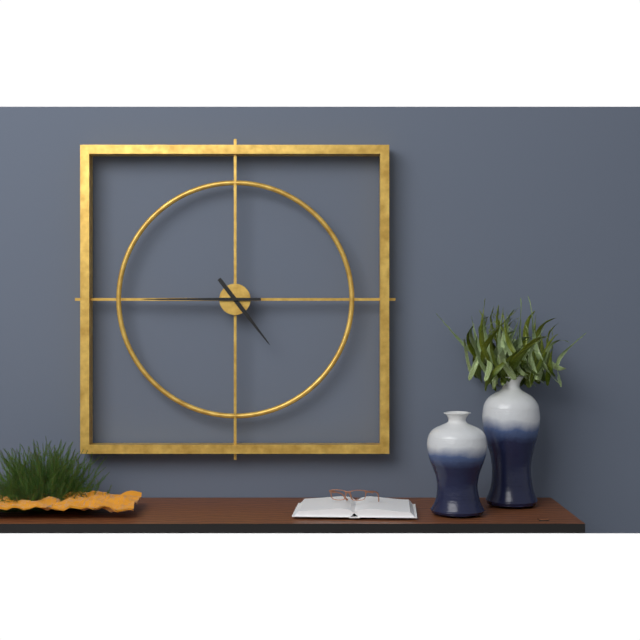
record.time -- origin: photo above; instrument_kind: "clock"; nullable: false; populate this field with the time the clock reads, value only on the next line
4:45
